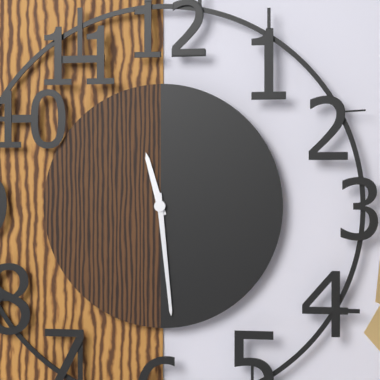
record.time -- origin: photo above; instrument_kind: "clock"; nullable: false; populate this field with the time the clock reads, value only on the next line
11:29
